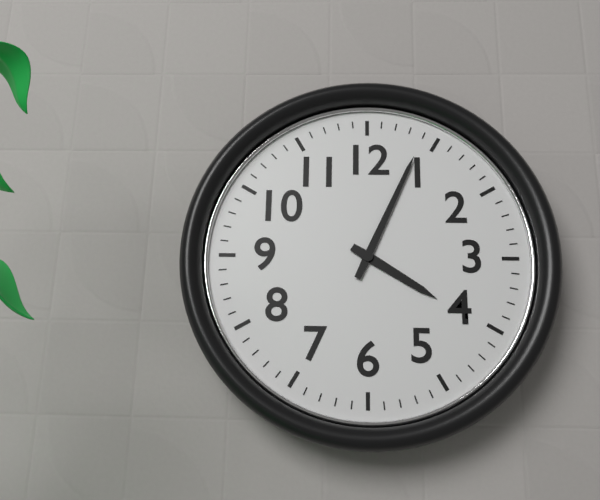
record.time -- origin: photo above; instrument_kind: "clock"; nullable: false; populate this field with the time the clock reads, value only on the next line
4:04
